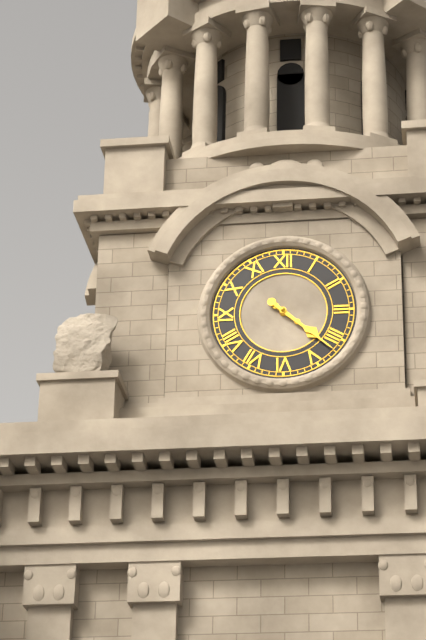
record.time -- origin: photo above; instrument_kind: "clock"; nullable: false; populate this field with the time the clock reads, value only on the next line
4:22
